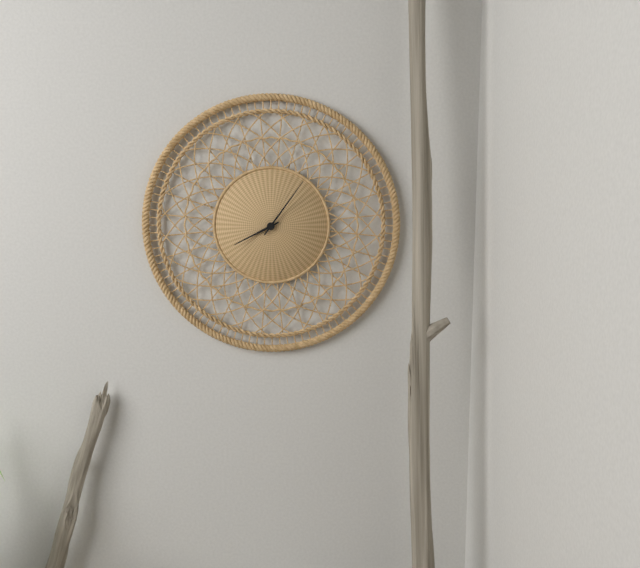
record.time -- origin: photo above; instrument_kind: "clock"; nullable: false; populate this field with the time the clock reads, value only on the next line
8:06
